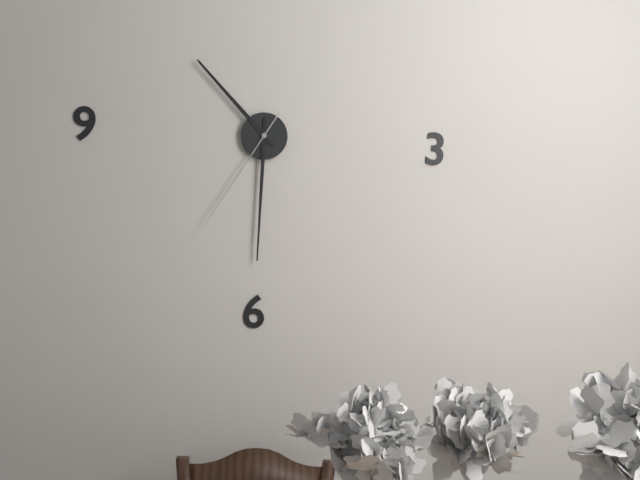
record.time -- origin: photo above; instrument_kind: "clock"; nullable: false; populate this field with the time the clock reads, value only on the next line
10:30:35
